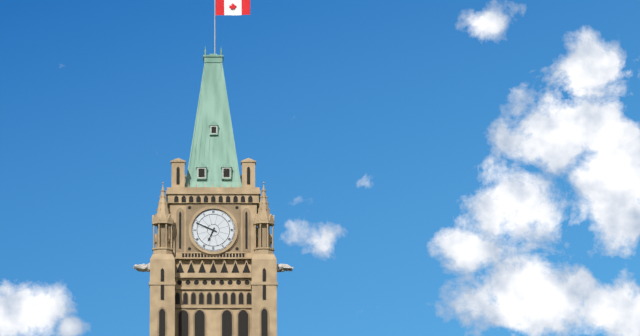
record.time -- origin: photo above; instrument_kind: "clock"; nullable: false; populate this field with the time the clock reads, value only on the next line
6:49
